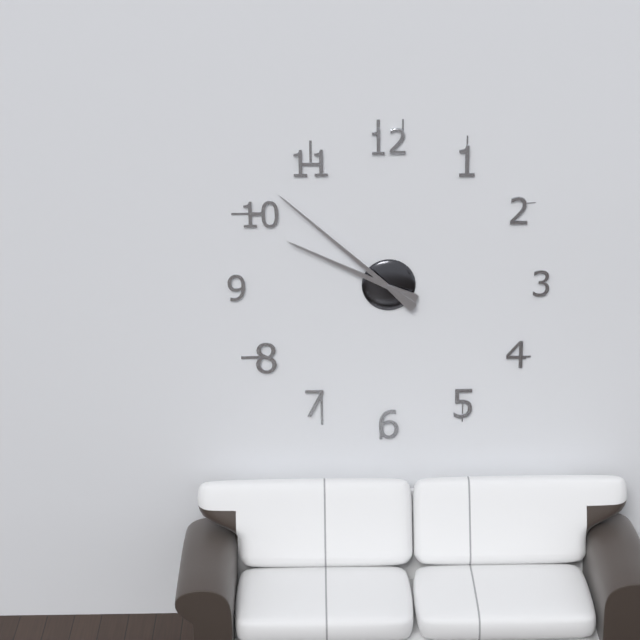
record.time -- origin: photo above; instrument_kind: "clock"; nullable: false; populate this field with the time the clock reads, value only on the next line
9:52
